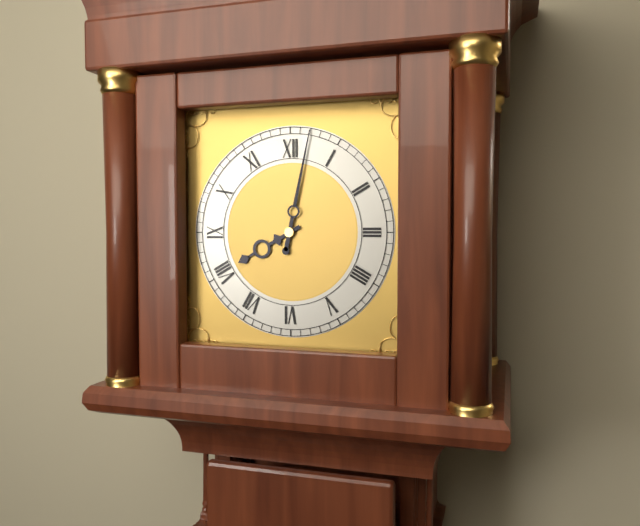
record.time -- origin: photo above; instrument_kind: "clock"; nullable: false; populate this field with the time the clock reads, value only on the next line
8:02
